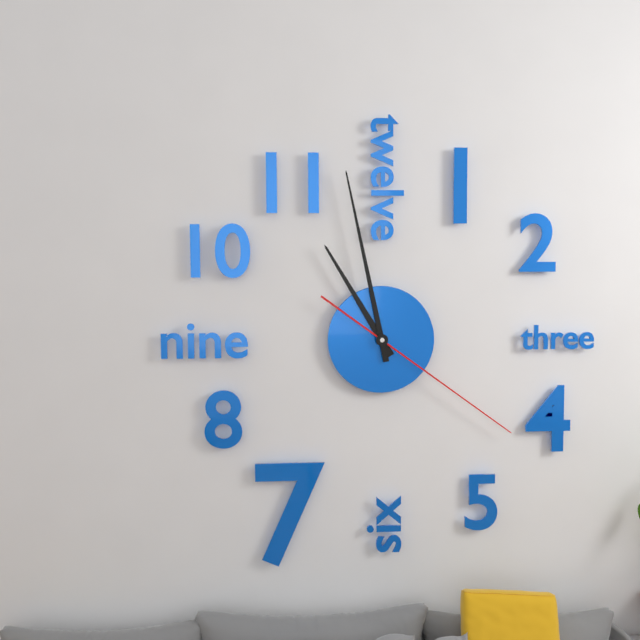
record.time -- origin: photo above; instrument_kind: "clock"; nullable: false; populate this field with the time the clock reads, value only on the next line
10:58:21
